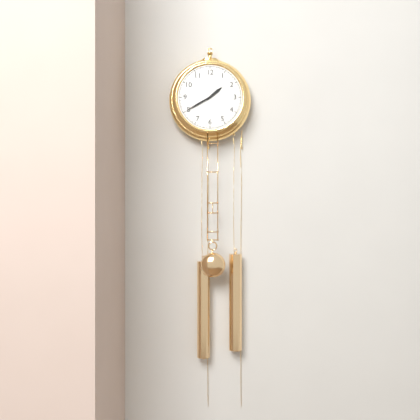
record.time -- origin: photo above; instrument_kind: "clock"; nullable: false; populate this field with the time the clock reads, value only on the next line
1:40
